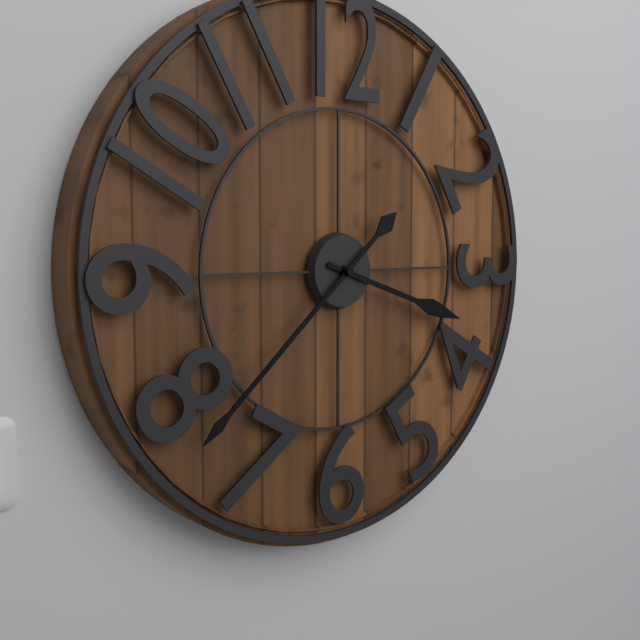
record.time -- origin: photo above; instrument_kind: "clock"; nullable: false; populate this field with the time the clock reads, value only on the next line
3:38
